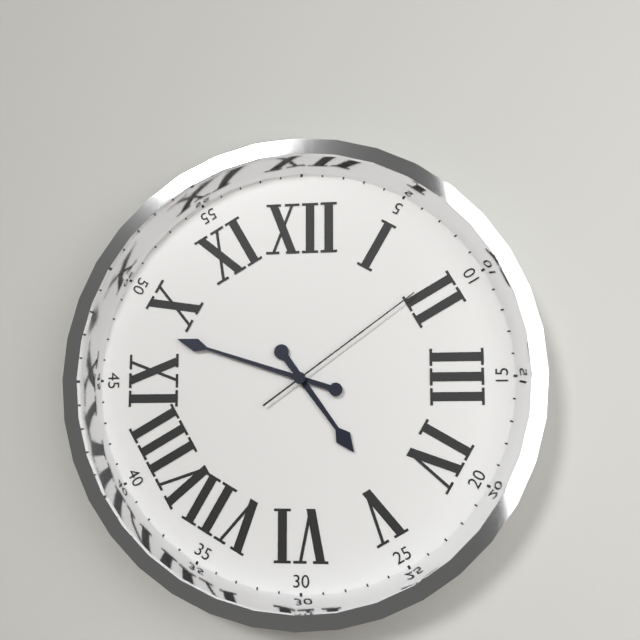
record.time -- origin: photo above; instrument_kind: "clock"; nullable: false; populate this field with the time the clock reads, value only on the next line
4:48:09
